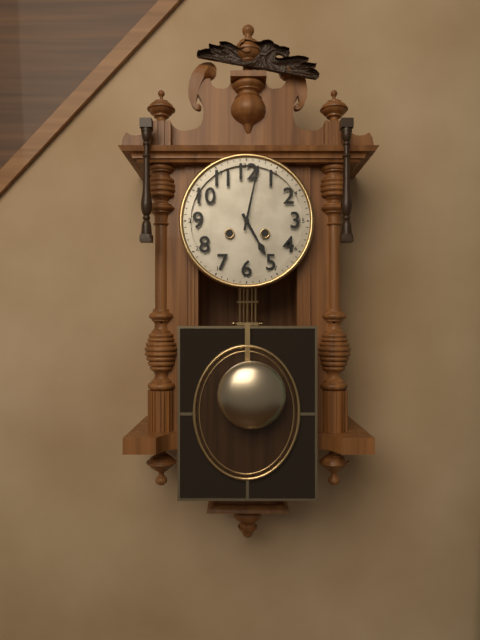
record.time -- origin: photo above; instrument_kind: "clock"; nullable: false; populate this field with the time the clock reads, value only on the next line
5:02
